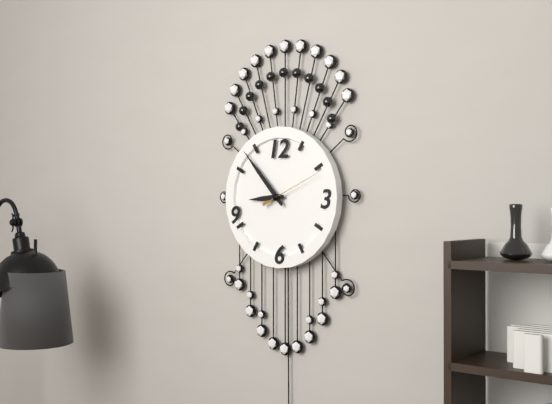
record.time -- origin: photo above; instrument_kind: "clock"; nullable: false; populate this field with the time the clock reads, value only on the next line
8:53:11
